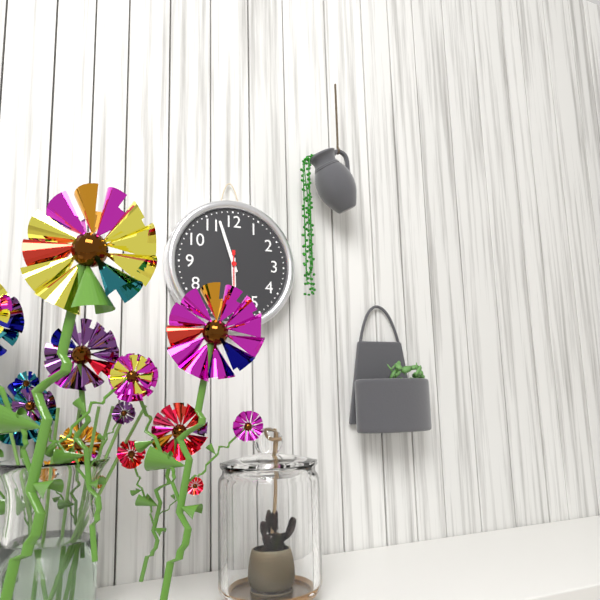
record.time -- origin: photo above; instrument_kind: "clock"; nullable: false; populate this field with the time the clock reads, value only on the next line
5:57
